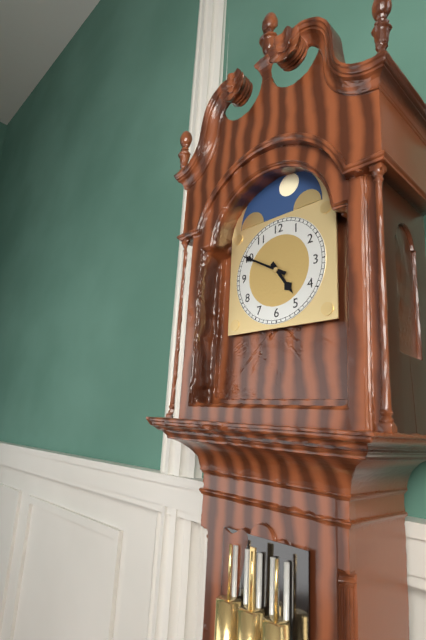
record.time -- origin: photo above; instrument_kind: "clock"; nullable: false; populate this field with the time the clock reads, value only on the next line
4:50
